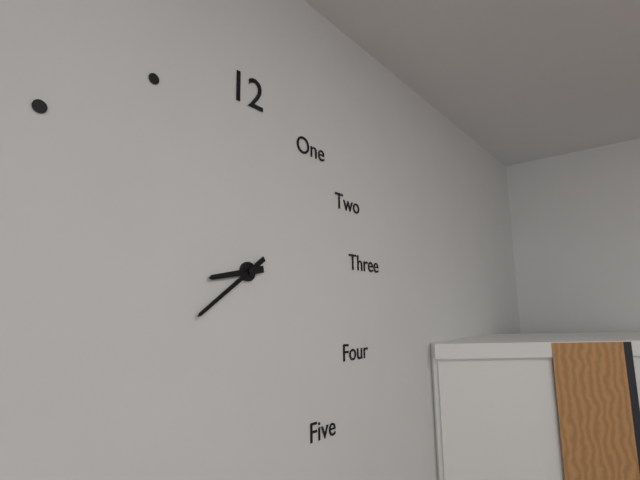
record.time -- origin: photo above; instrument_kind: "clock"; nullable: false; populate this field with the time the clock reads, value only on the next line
8:39
